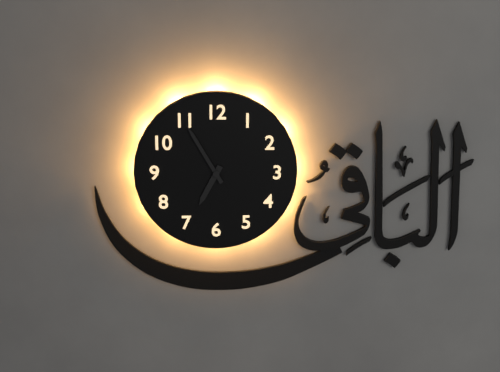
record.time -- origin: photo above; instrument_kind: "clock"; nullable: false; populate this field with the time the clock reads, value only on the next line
6:55
